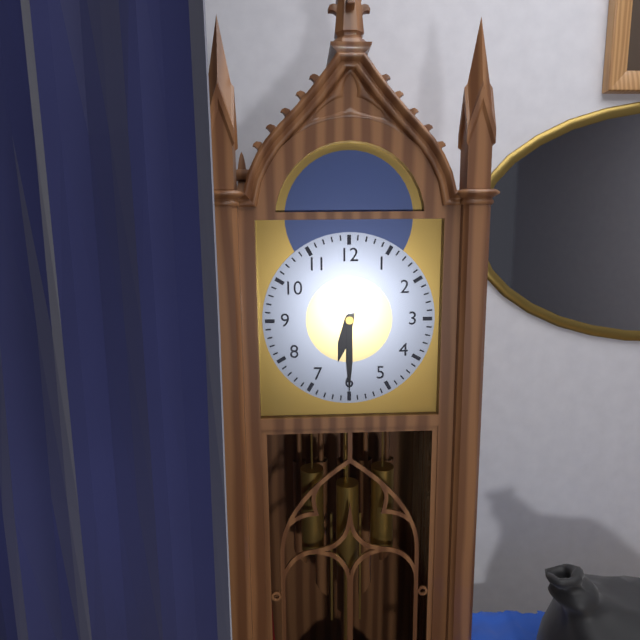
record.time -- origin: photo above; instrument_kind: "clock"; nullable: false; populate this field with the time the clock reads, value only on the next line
6:30
